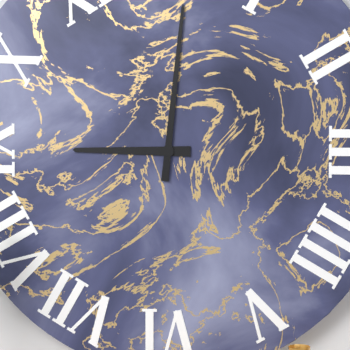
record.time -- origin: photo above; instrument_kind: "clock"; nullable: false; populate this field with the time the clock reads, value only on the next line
9:01
